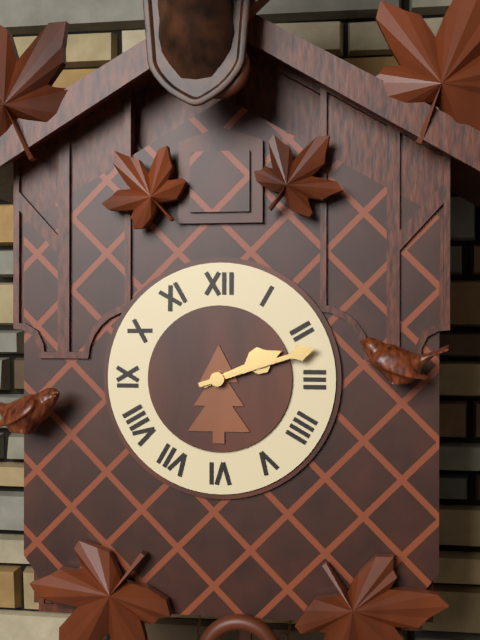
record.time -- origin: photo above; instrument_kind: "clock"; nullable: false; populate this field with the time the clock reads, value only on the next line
2:12
